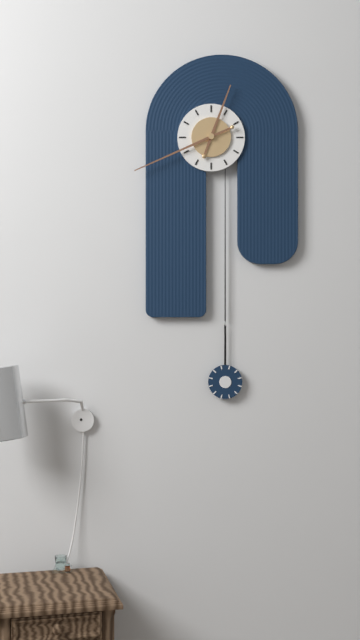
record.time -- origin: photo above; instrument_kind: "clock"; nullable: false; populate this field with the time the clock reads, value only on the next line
12:41
